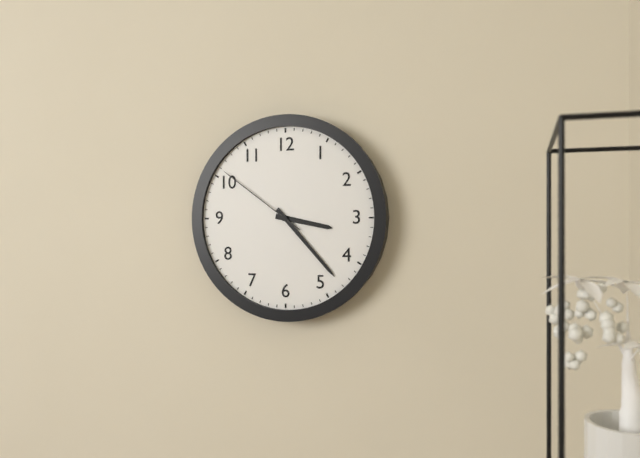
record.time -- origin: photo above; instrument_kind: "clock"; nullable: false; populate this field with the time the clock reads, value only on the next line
3:23:51
